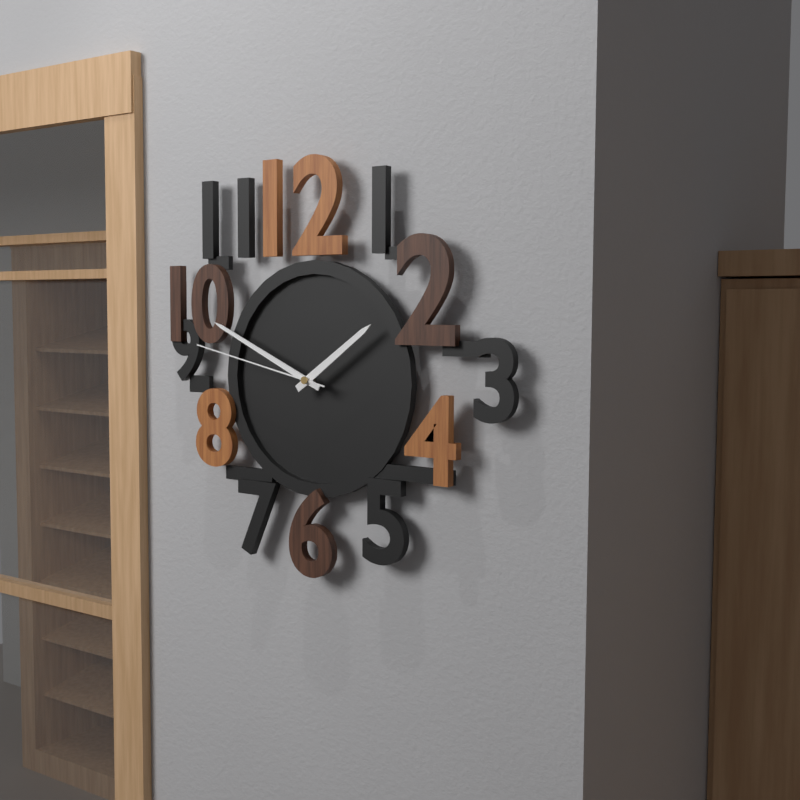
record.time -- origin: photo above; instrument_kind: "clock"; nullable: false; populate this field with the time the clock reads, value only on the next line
1:49:47
